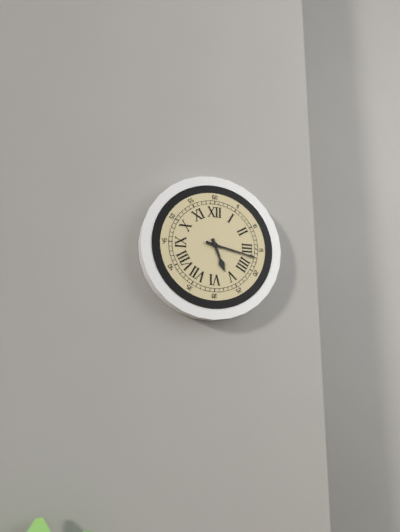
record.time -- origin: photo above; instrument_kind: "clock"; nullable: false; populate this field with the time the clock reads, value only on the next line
5:17
